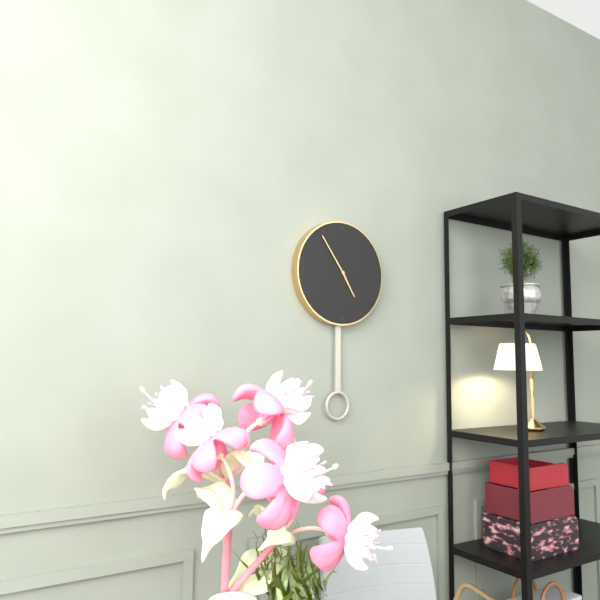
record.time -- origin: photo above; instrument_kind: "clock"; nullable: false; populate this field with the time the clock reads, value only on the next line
4:54
